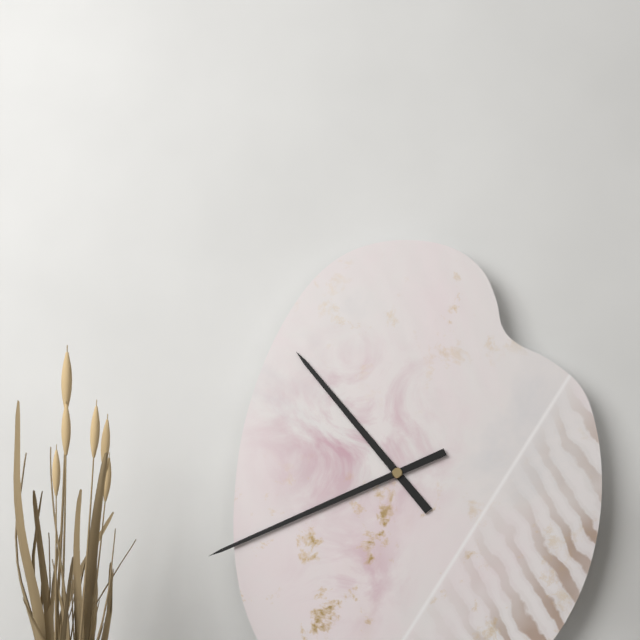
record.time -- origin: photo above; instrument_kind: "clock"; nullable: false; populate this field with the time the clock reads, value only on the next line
10:41
